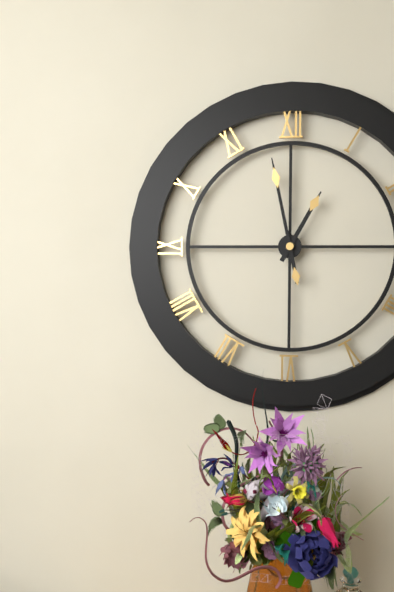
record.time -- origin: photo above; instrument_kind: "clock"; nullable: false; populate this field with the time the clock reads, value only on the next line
12:58
